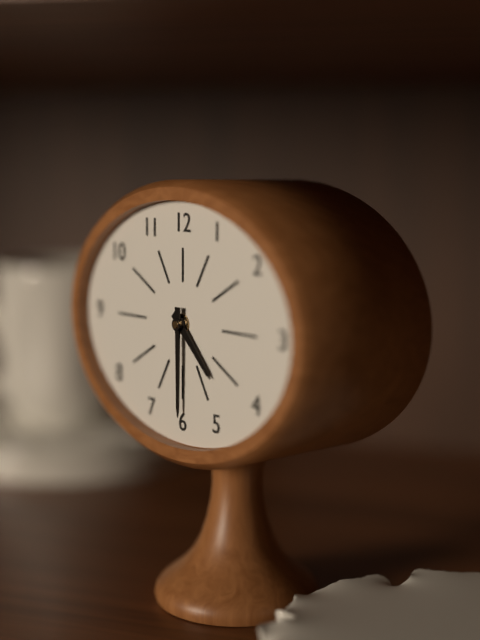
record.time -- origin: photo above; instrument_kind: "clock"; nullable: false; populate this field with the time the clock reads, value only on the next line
4:30
